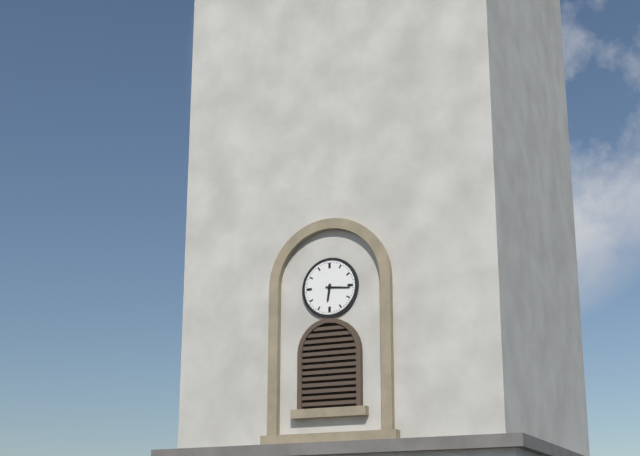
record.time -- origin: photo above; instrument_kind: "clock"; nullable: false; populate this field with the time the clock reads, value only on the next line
6:16
